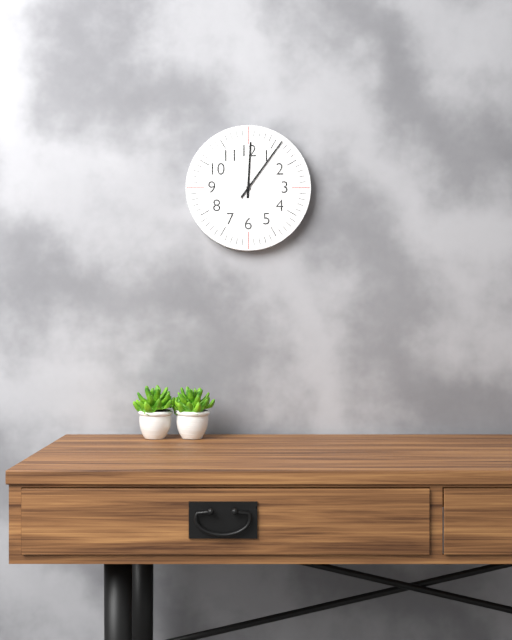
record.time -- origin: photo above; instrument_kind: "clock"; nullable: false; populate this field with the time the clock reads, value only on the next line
12:06
